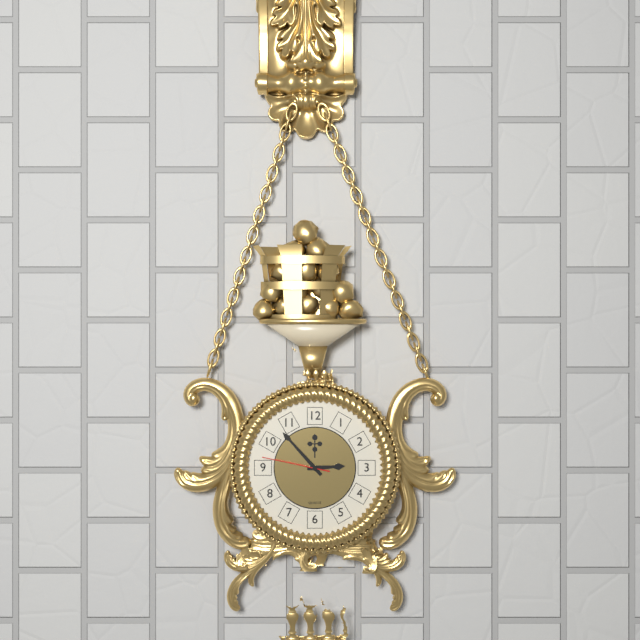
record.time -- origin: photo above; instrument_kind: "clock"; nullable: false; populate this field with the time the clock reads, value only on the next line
2:53:47
